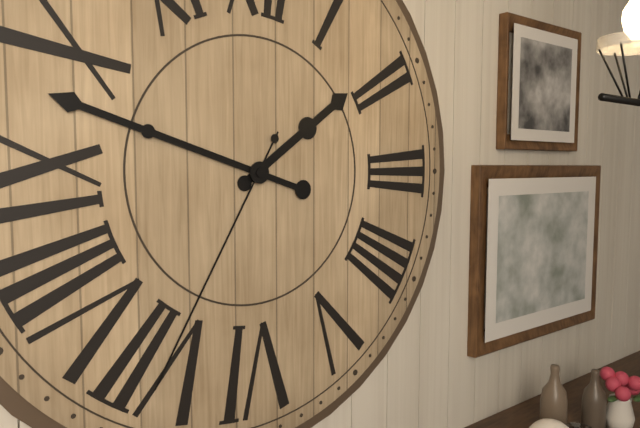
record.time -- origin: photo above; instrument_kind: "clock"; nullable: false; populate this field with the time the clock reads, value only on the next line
1:48:35
